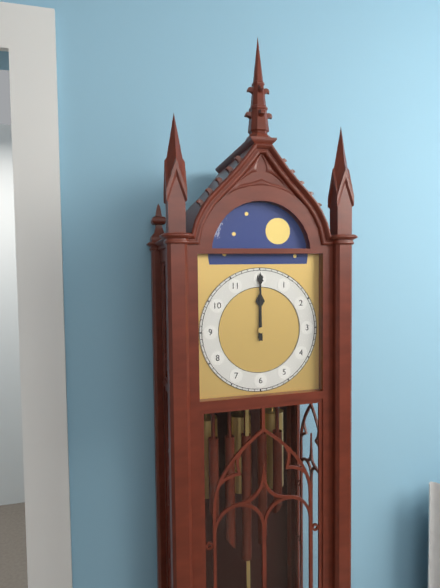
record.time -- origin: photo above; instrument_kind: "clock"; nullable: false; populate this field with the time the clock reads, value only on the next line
12:00
